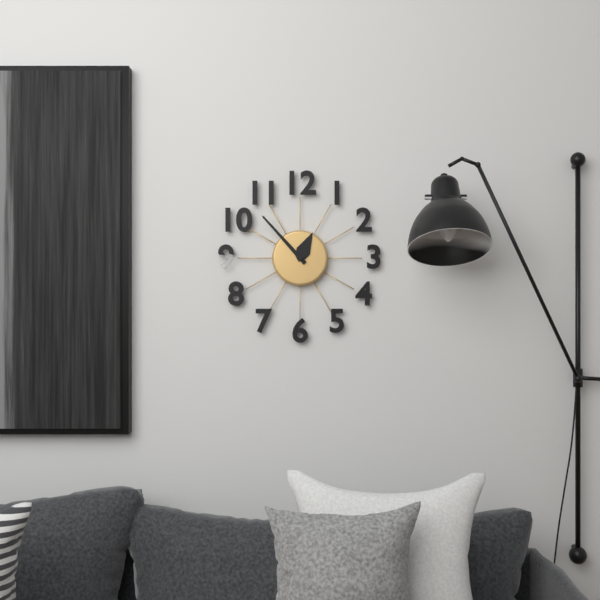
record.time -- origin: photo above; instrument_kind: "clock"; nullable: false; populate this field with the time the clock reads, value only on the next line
12:53
